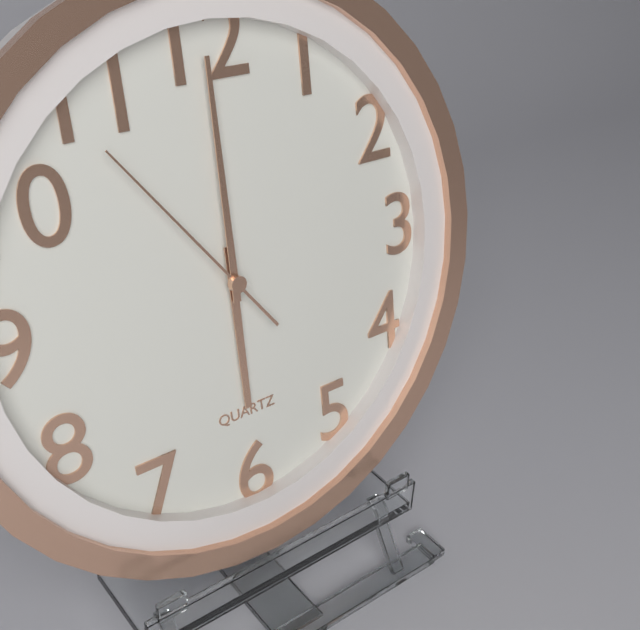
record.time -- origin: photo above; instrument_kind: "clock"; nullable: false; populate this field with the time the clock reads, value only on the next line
6:00:54
